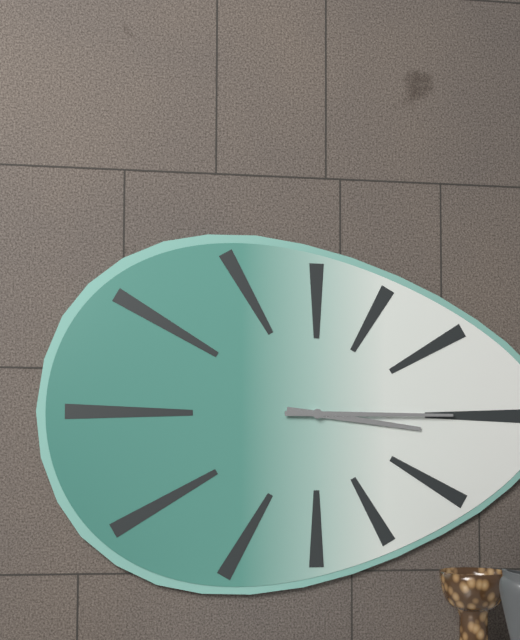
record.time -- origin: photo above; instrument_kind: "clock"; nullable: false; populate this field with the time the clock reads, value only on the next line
3:15
